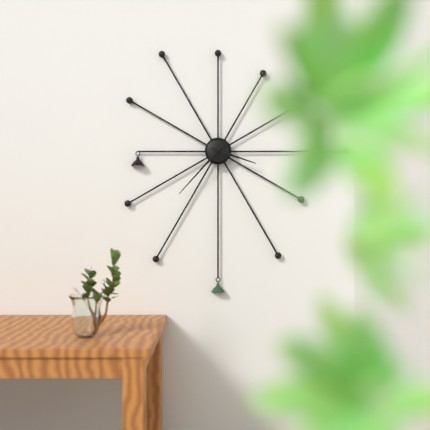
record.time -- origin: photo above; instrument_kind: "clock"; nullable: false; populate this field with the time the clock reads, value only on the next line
3:37
